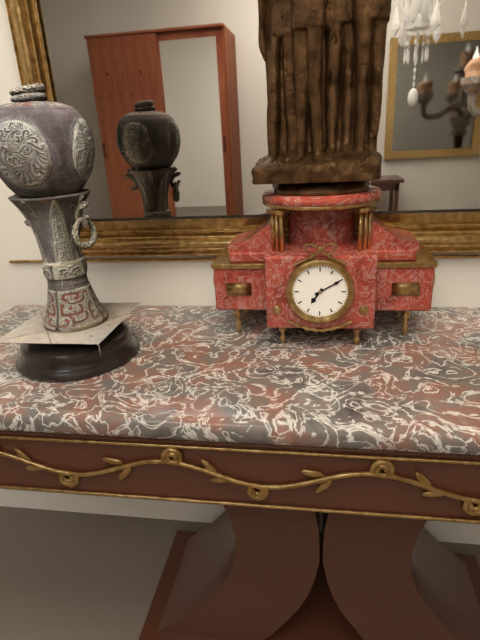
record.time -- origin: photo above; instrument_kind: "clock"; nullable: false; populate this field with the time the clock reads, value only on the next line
7:10
